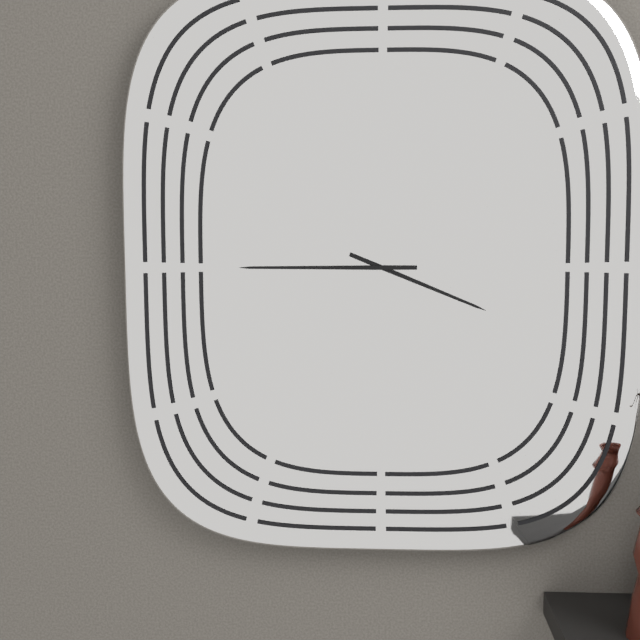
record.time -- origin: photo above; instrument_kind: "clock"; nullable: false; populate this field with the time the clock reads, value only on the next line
3:45
